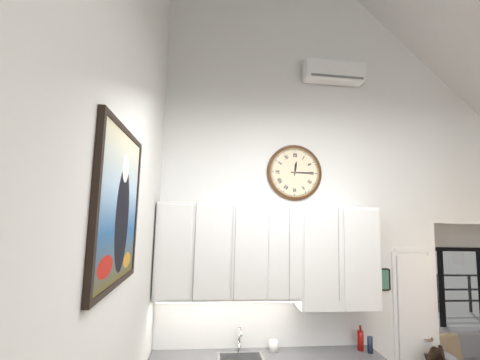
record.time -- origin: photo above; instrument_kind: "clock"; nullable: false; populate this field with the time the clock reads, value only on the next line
12:15
